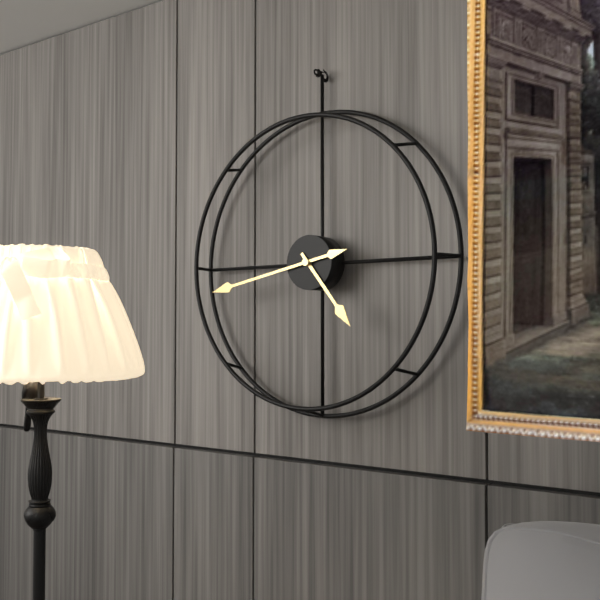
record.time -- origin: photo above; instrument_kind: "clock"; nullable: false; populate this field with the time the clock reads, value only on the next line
4:43
